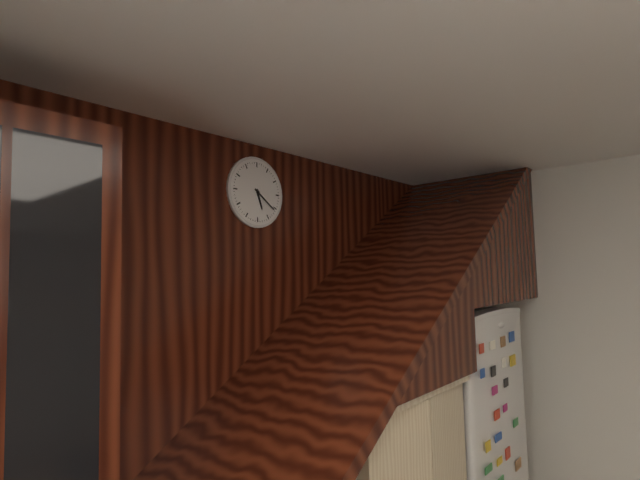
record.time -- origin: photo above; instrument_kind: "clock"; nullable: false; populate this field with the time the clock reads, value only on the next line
5:21
